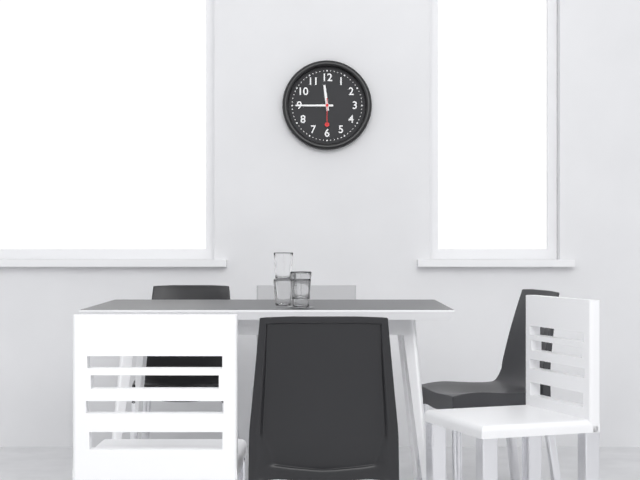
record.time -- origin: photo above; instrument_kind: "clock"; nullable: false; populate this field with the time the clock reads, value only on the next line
11:45
